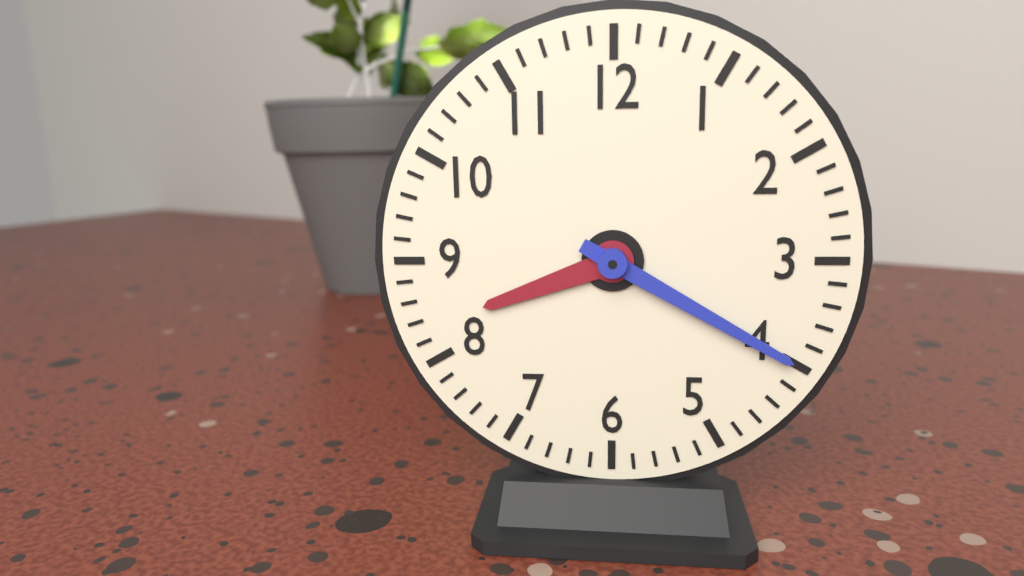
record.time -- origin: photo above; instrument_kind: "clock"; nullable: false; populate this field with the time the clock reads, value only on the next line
8:20
